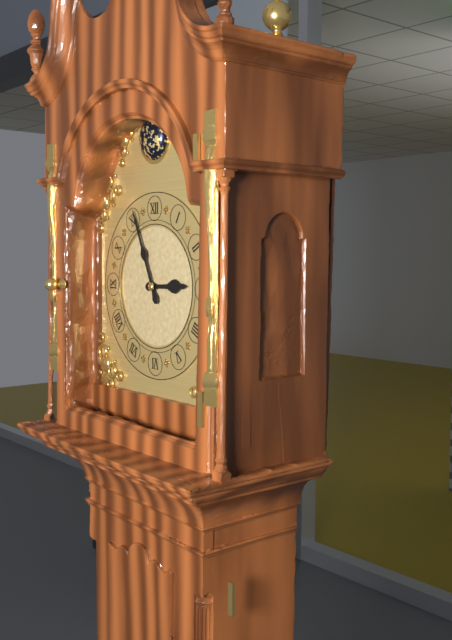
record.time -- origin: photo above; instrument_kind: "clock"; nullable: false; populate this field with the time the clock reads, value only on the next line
2:56
